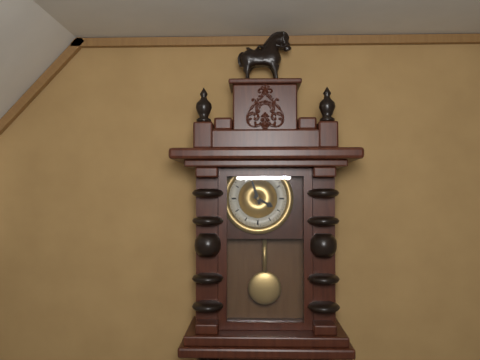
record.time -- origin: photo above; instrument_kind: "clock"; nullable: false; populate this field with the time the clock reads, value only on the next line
3:57
